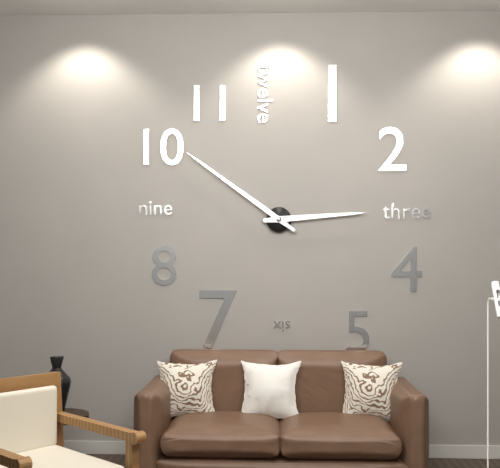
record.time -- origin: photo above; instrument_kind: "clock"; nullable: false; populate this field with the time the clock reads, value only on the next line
2:51
